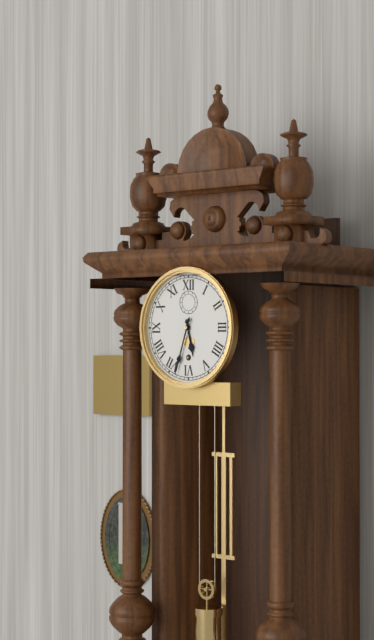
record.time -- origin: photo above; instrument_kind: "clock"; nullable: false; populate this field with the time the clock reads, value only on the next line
5:33
